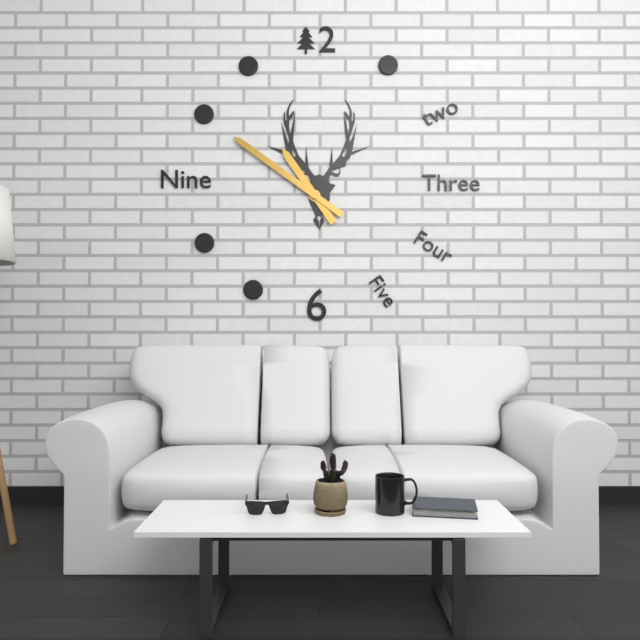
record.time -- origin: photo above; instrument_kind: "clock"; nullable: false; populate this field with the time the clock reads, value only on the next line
10:51
